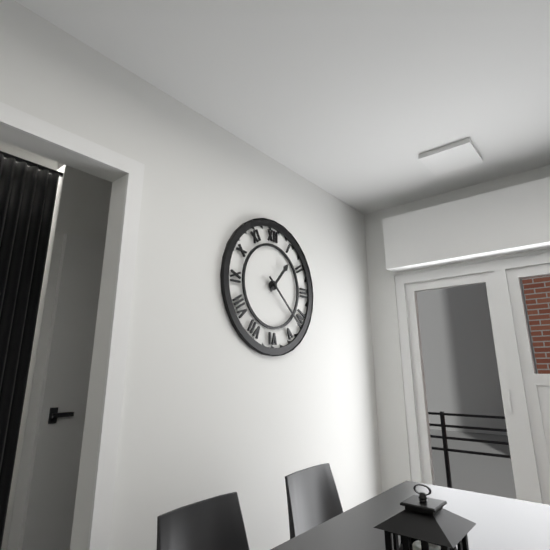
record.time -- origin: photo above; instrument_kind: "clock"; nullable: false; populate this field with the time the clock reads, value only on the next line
1:22
